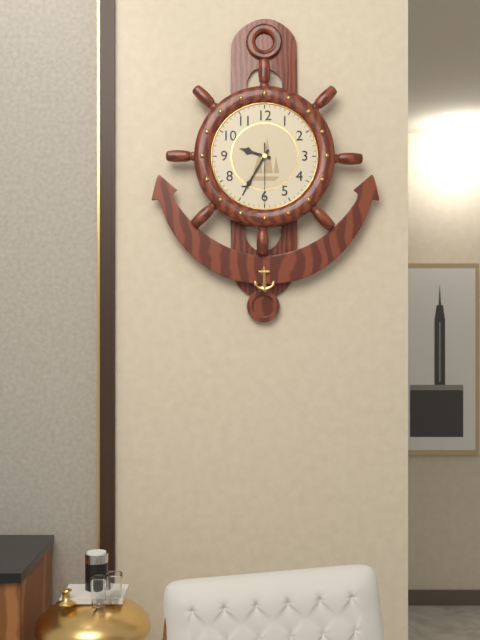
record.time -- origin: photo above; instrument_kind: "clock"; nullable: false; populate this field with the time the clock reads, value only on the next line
9:35:30
